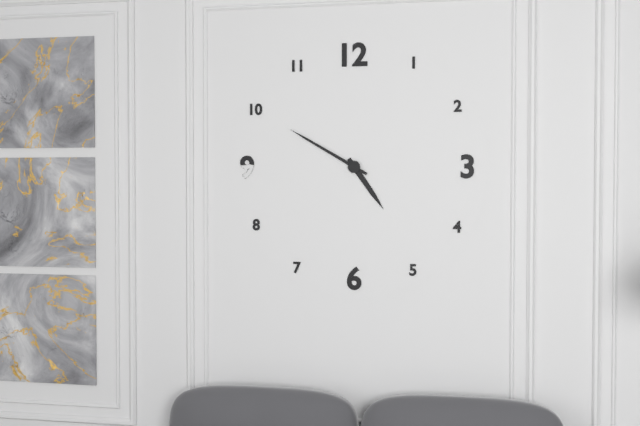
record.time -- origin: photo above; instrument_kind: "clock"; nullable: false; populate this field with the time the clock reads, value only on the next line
4:50
